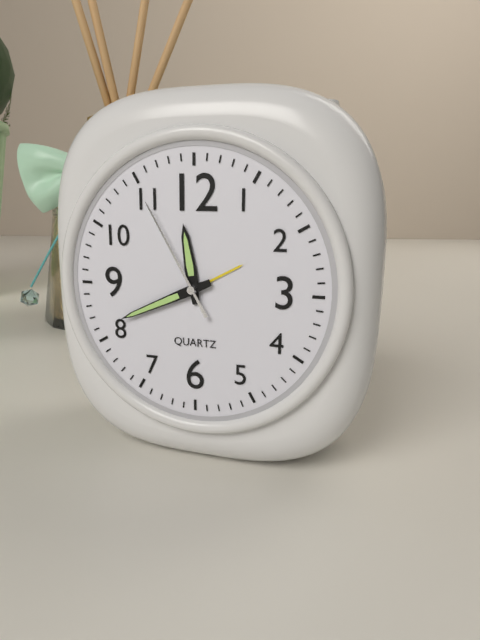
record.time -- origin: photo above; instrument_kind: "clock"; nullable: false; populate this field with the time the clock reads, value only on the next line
11:41:55
